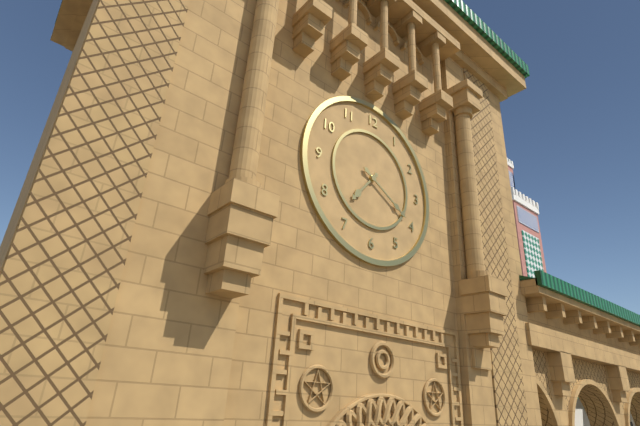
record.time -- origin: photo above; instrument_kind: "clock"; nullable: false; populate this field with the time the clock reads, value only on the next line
7:20
